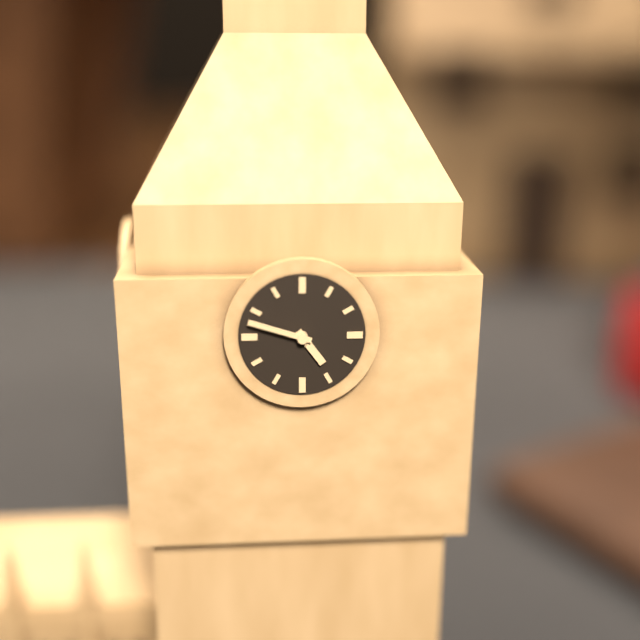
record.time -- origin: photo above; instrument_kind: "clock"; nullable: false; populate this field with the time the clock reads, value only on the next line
4:48
